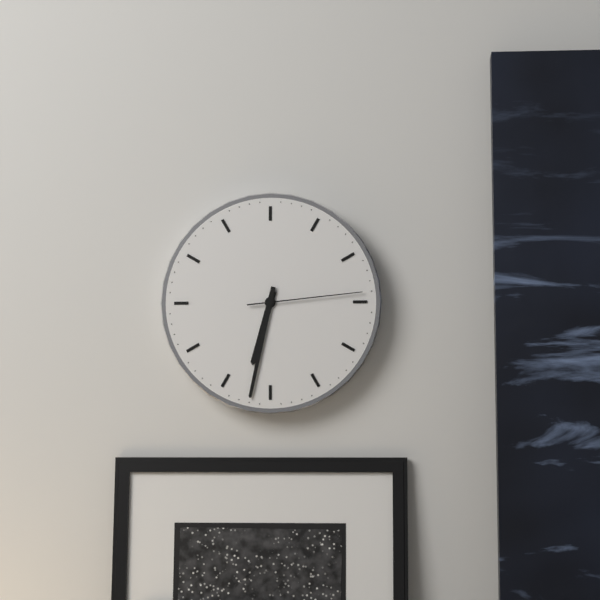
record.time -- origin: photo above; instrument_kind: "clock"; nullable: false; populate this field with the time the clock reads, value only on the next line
6:32:14
